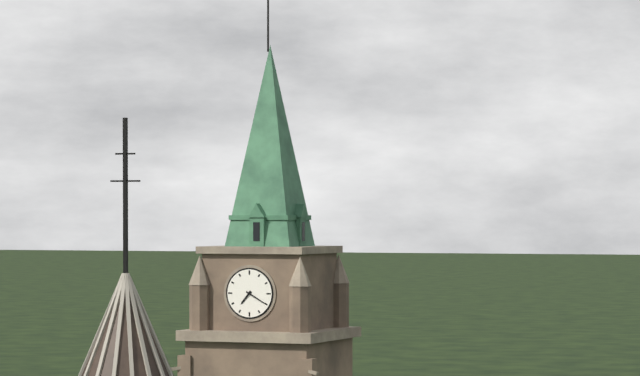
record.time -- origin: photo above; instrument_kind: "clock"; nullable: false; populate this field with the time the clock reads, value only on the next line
7:20
